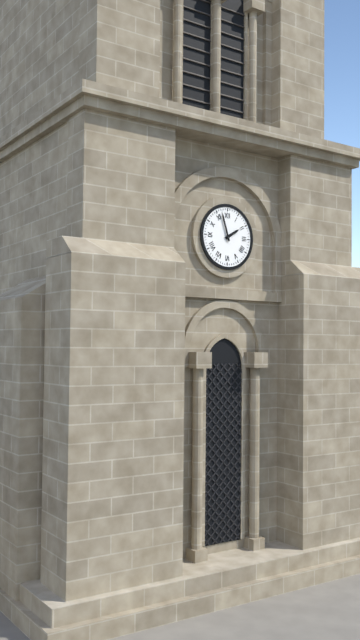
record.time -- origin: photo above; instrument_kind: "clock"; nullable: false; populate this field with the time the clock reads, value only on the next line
1:57
